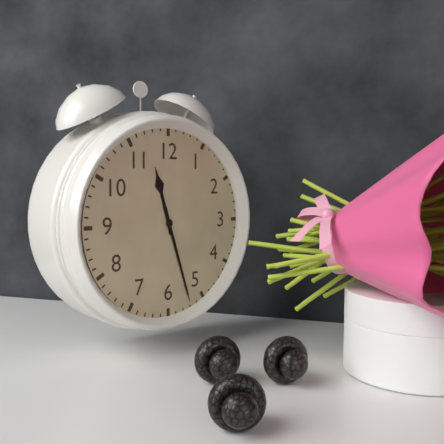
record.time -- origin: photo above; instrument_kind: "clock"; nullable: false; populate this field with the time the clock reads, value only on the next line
11:27
